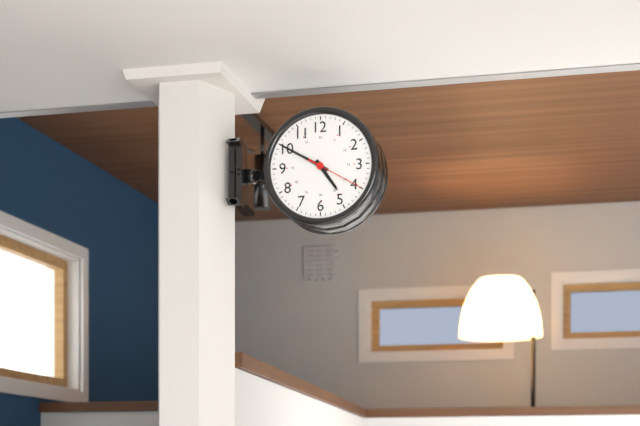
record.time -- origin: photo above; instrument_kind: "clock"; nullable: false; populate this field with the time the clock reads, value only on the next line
4:50
